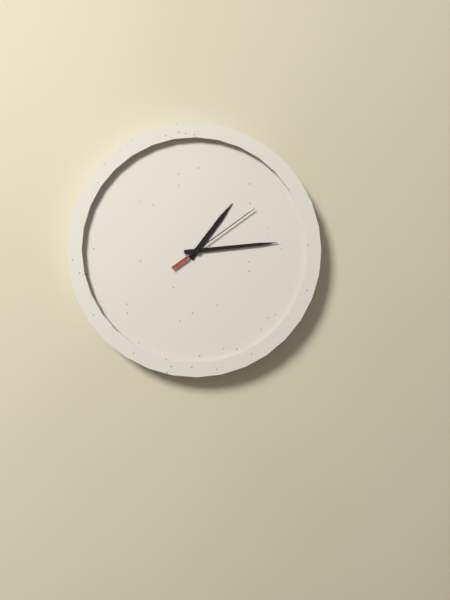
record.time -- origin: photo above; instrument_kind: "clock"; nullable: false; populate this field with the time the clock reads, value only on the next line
1:14:09
